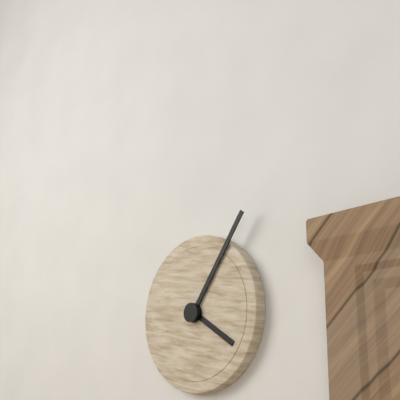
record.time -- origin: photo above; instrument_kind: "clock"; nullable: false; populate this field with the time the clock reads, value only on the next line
4:06
